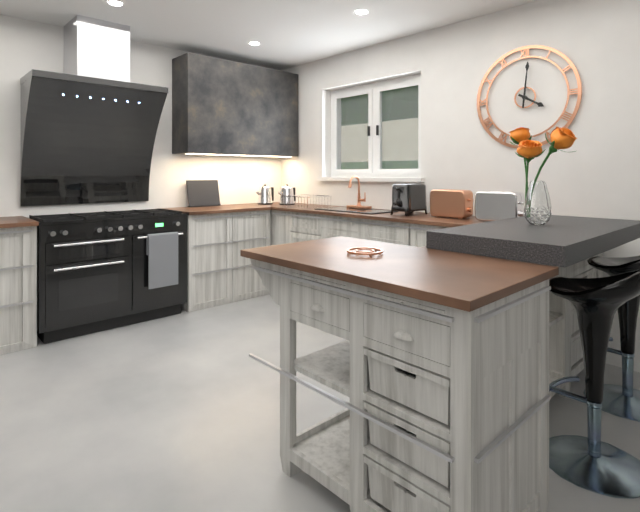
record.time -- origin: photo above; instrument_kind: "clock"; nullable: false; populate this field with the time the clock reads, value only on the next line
4:01
